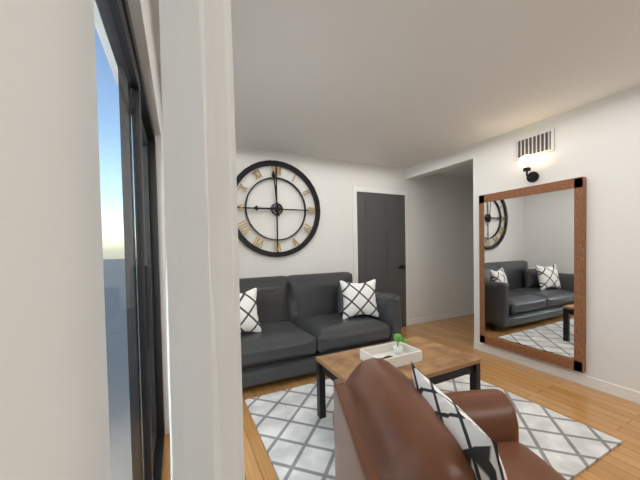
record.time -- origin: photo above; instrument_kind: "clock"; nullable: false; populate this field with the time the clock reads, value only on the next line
8:59
